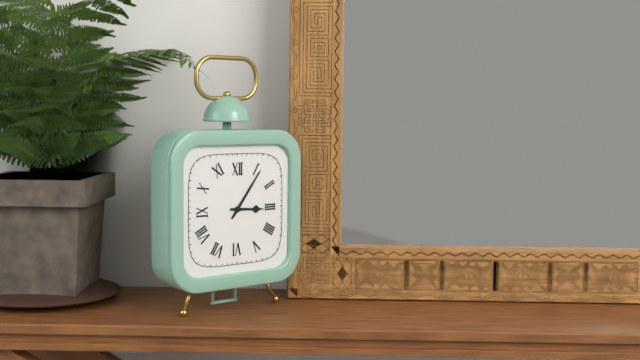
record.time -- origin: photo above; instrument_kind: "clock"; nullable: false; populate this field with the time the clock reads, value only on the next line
3:06
